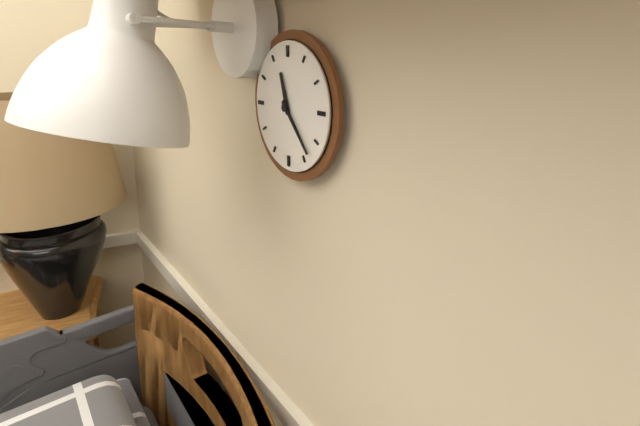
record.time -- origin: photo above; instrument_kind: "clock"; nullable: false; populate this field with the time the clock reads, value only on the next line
11:23
